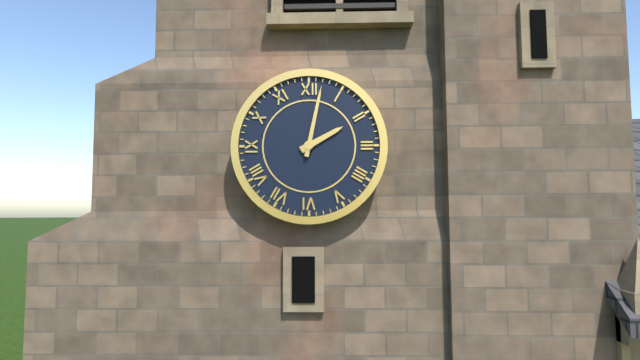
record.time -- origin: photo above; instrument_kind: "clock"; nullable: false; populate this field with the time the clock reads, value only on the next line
2:02
